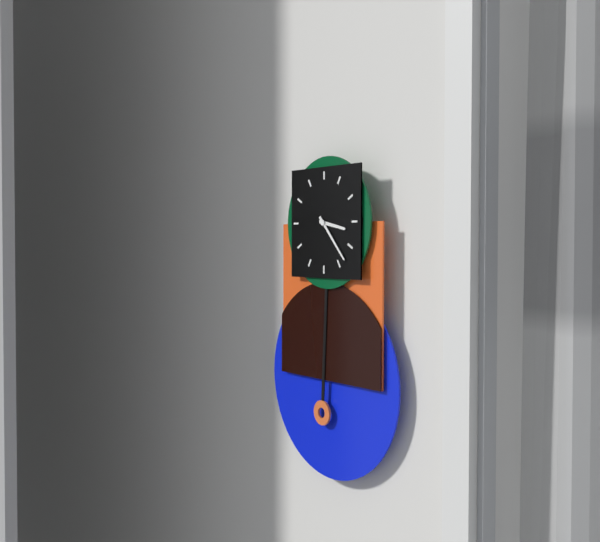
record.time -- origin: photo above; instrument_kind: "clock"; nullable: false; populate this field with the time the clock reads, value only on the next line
3:23
